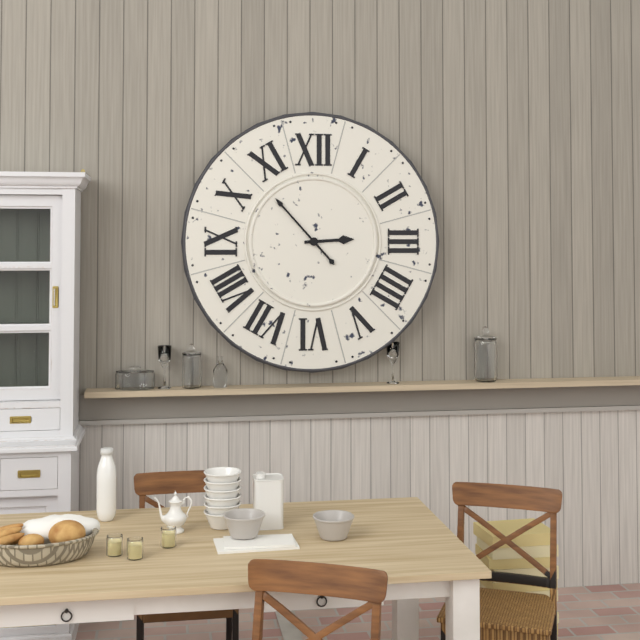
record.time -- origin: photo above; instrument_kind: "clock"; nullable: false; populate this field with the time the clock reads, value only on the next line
2:53
